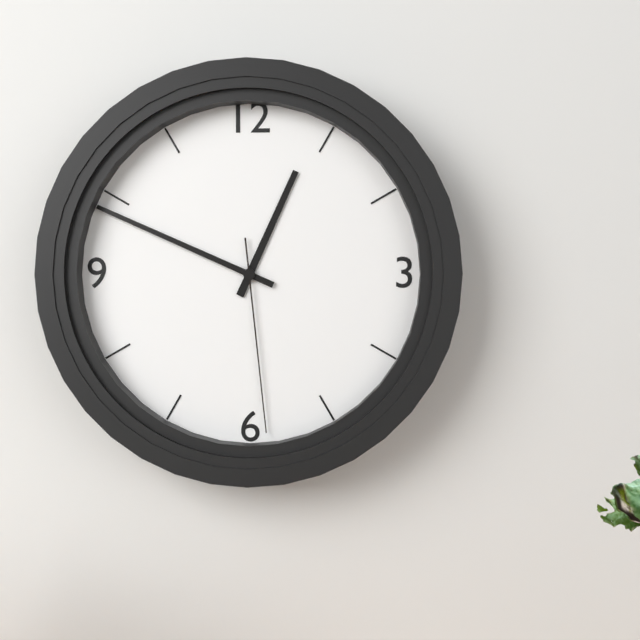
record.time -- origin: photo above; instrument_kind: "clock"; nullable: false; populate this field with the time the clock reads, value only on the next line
12:49:29
